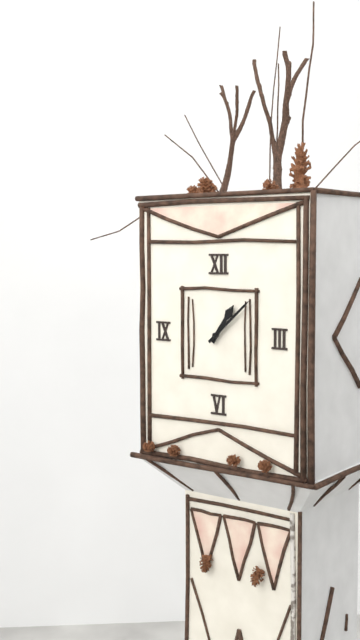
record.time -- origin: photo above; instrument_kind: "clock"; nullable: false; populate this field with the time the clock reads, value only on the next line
1:08
